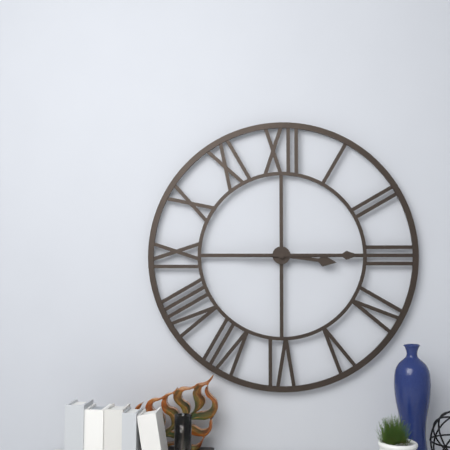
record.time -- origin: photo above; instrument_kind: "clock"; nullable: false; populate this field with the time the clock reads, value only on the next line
3:15
